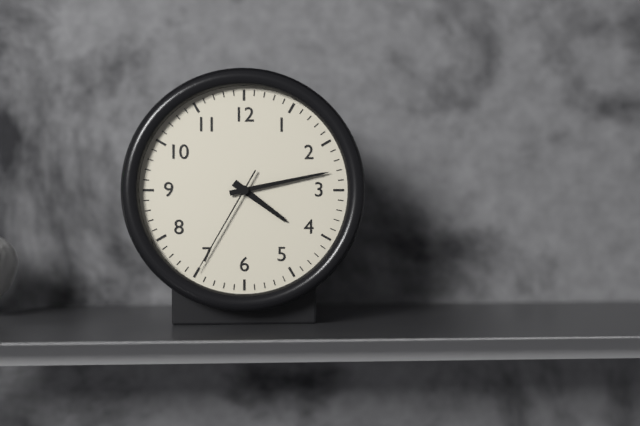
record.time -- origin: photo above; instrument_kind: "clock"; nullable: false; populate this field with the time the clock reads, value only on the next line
4:13:35
